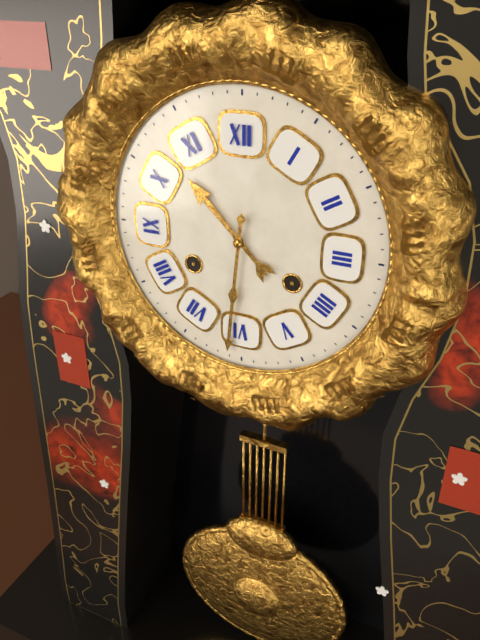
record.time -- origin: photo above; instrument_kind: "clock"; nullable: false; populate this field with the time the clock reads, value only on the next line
10:31
